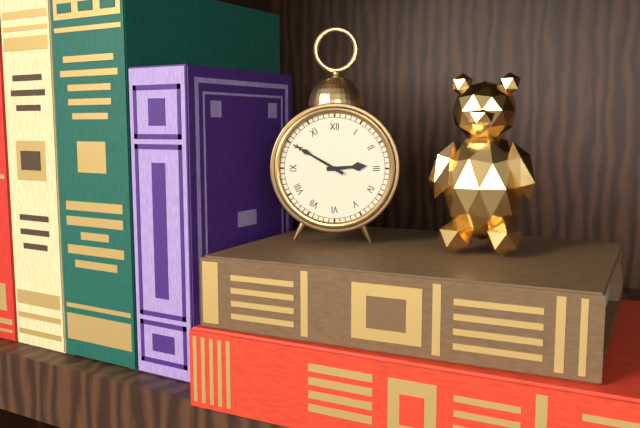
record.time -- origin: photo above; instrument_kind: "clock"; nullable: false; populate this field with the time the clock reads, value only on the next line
2:50
